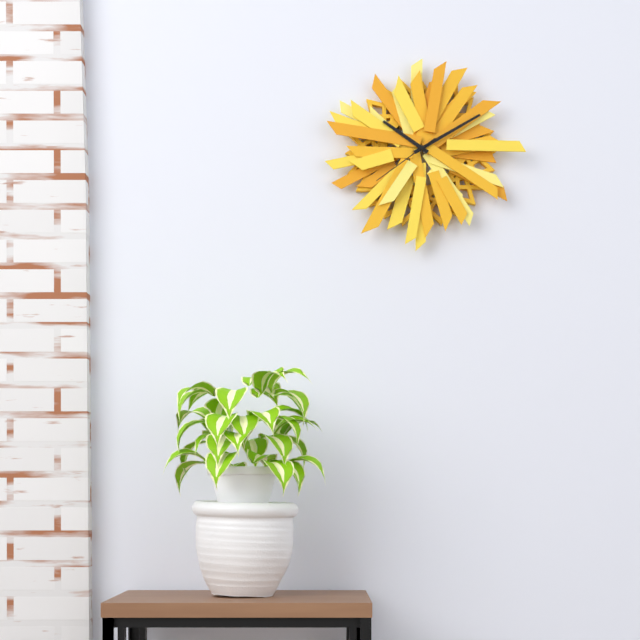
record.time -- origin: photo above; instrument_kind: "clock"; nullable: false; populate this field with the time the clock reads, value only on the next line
10:10:39
